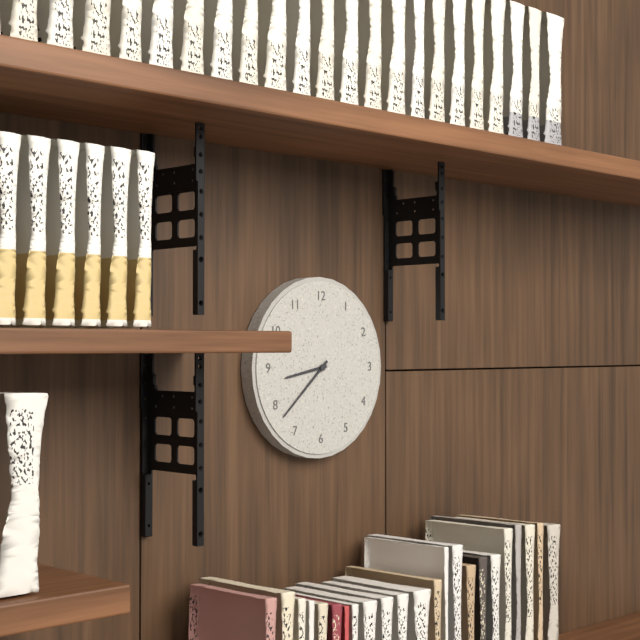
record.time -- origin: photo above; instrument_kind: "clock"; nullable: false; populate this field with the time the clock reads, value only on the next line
8:38
